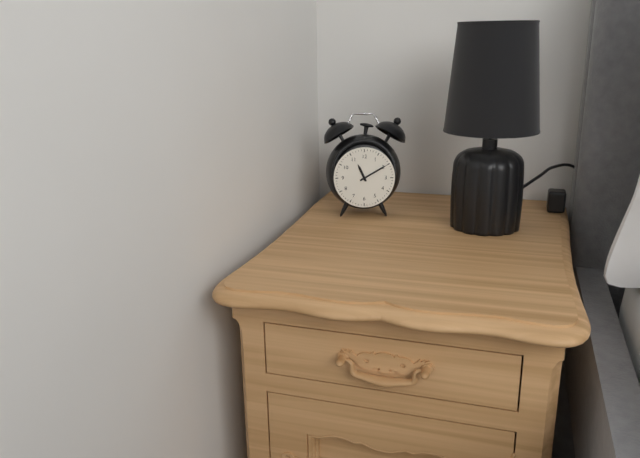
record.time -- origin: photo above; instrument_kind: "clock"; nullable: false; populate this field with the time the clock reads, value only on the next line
11:10
